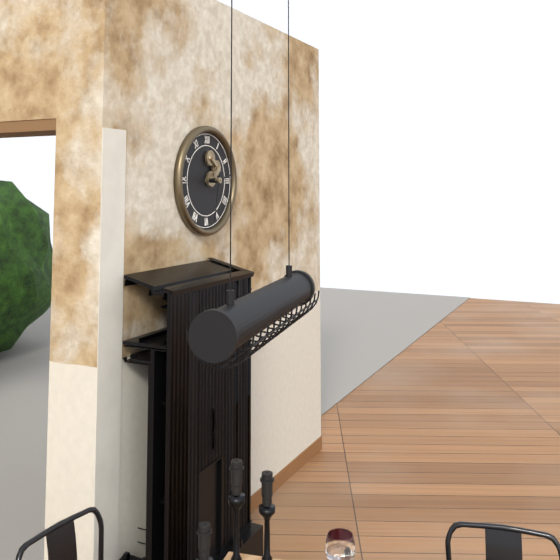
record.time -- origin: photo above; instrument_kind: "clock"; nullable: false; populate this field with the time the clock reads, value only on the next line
2:32
